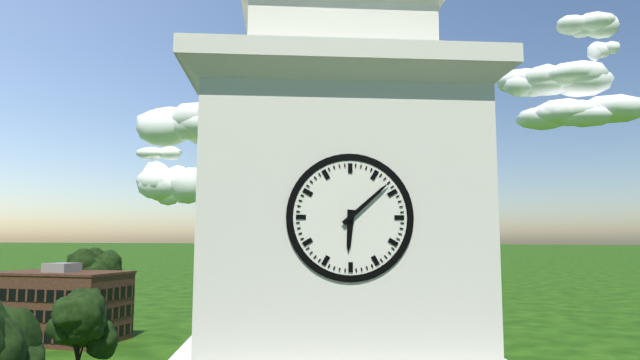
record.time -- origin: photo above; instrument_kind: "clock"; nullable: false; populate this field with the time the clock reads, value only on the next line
6:08
